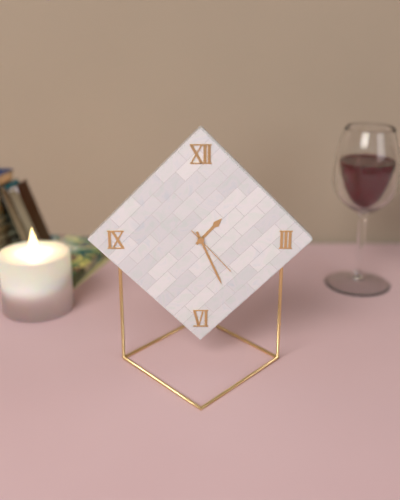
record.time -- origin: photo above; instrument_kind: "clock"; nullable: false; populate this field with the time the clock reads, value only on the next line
1:26:23
